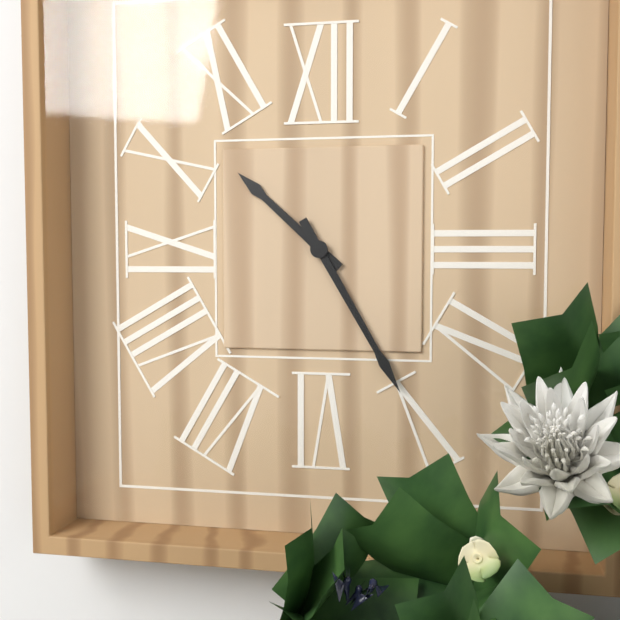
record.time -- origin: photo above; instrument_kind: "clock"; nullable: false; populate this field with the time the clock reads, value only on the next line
10:25
